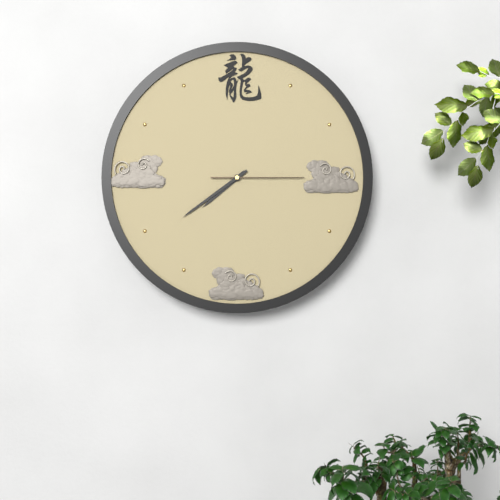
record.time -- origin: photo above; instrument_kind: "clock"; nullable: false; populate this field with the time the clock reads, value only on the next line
7:39:15
